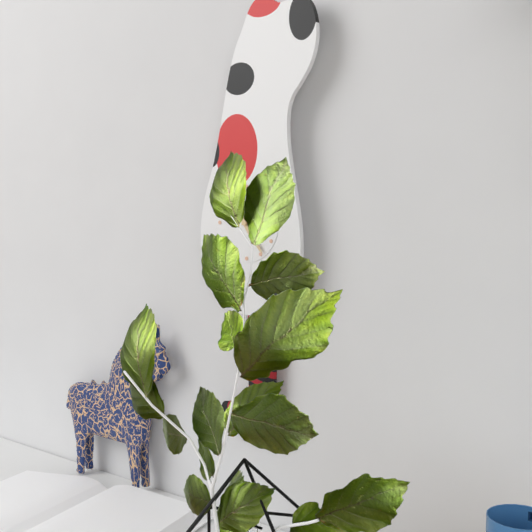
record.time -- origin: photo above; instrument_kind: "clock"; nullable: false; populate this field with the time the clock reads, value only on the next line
3:24
